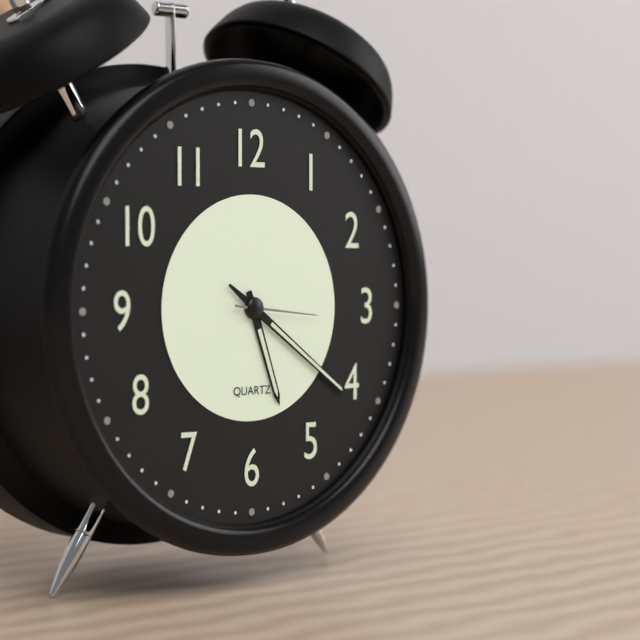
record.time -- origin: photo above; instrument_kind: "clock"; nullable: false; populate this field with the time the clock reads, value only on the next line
5:21:16
